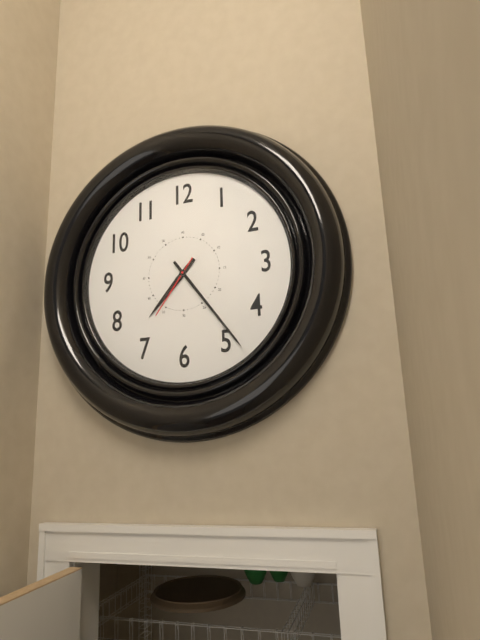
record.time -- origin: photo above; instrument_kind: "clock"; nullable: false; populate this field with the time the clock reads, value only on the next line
7:24:36
